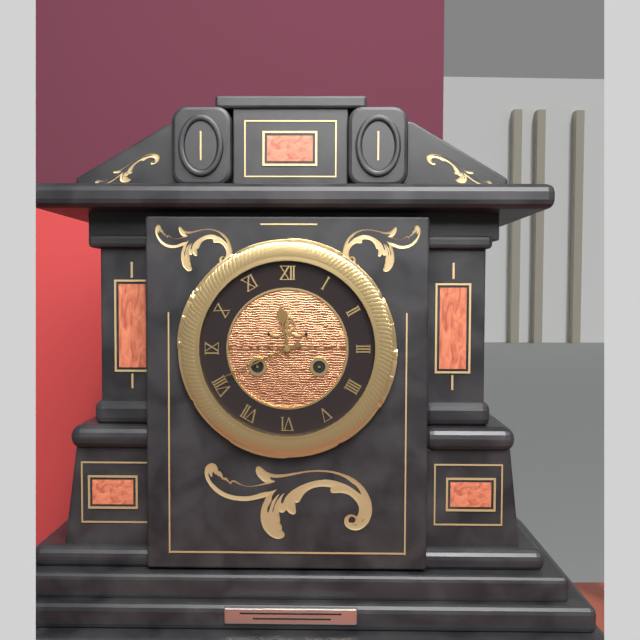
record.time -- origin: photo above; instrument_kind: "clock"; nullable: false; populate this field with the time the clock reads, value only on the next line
11:41
